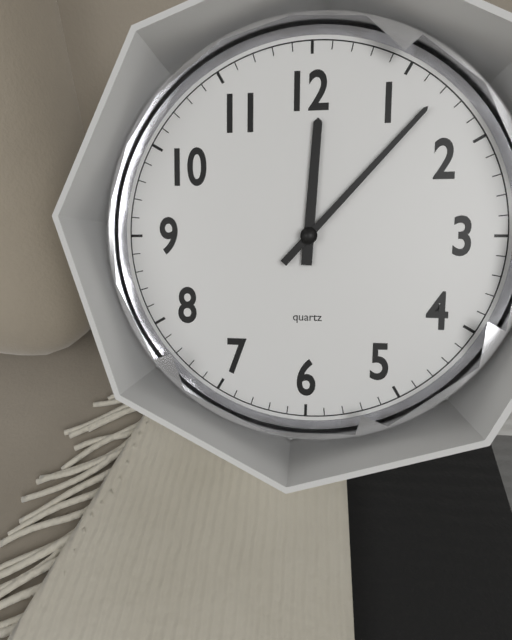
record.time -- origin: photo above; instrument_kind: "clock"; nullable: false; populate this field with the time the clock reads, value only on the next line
12:07
